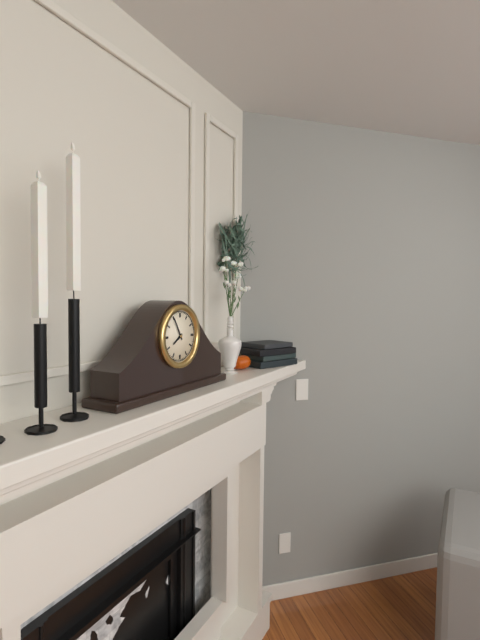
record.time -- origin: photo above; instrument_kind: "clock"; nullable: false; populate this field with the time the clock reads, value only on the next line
7:55
